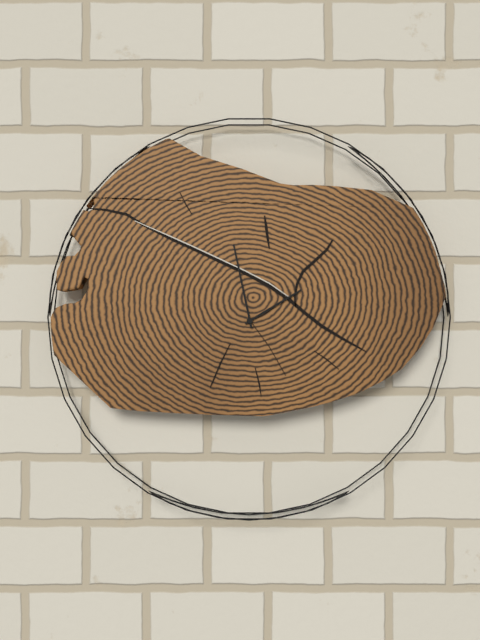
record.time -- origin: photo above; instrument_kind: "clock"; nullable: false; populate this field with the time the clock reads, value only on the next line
1:58
